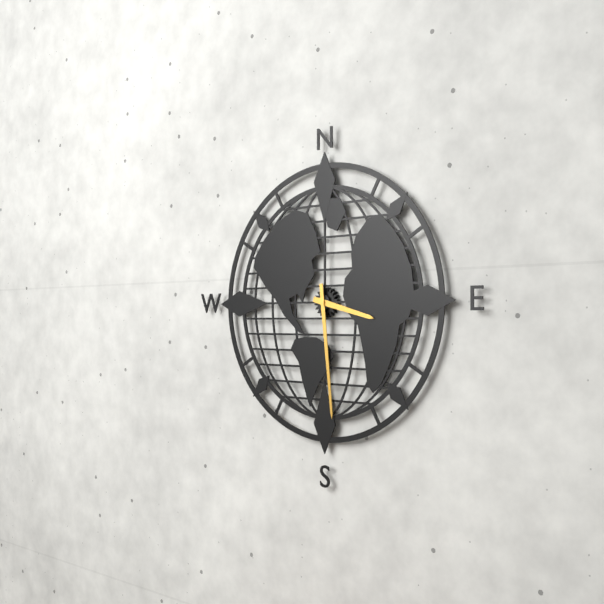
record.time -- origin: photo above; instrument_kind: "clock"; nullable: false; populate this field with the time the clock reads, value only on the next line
3:29
